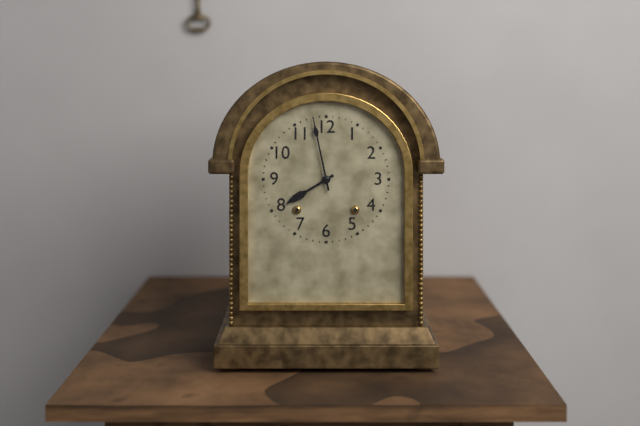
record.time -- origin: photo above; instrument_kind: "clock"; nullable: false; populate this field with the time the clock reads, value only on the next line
7:58
